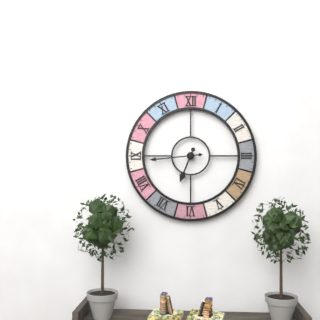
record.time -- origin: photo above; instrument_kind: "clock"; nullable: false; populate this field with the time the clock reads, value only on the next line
6:44
